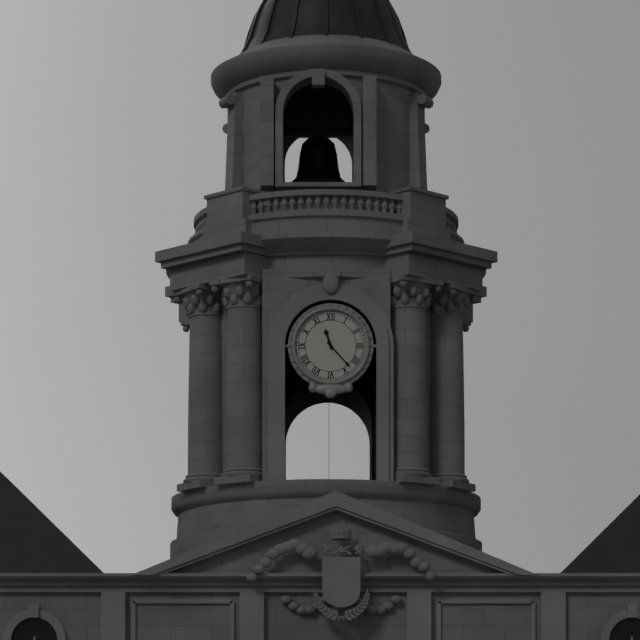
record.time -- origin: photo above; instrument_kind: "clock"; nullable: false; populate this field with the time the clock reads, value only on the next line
11:23
